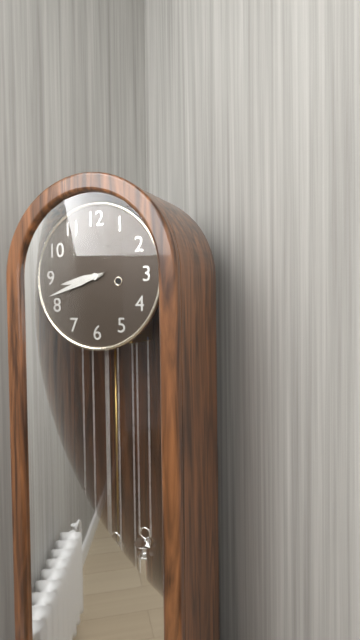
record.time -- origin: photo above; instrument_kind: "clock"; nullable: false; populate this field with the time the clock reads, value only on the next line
8:42
